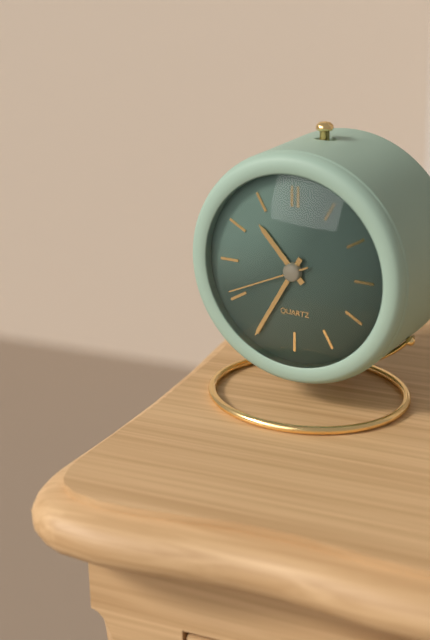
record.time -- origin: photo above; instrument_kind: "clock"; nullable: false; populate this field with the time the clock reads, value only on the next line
10:35:41
